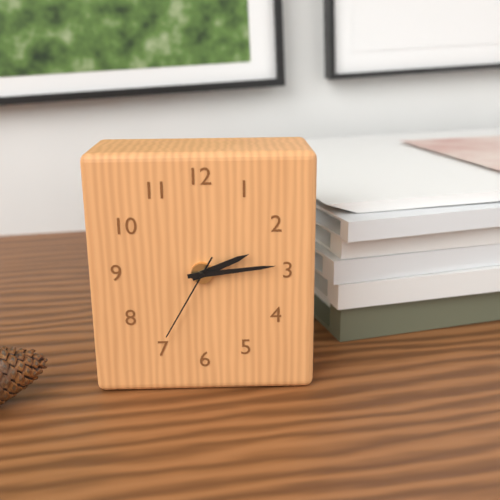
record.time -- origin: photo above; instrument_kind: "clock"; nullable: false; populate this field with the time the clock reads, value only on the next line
2:14:35
